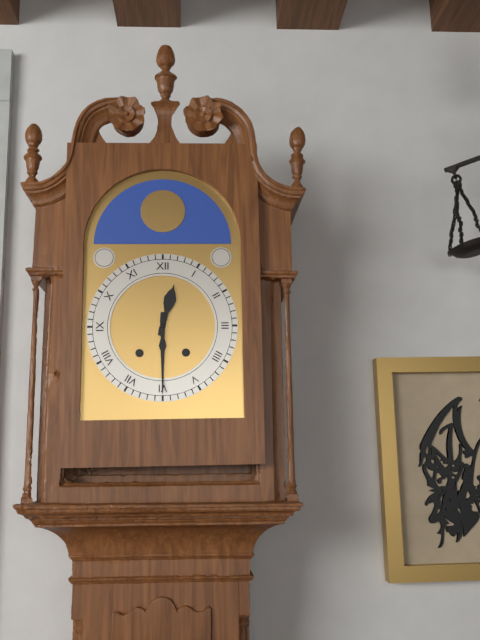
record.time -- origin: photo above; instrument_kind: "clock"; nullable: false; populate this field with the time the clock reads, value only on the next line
12:30
